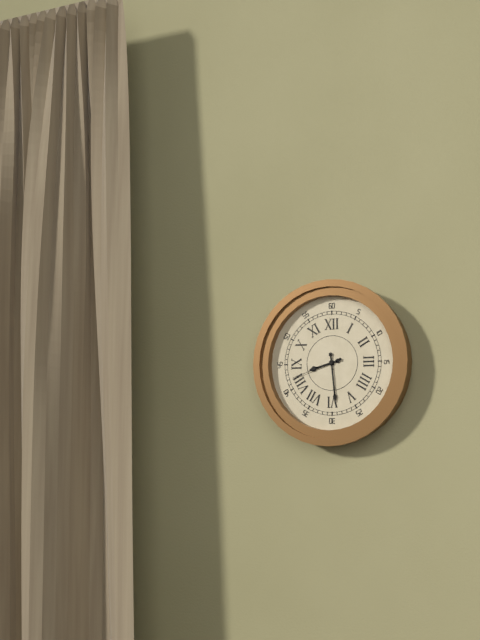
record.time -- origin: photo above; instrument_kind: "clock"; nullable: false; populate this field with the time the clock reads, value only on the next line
8:29:42
